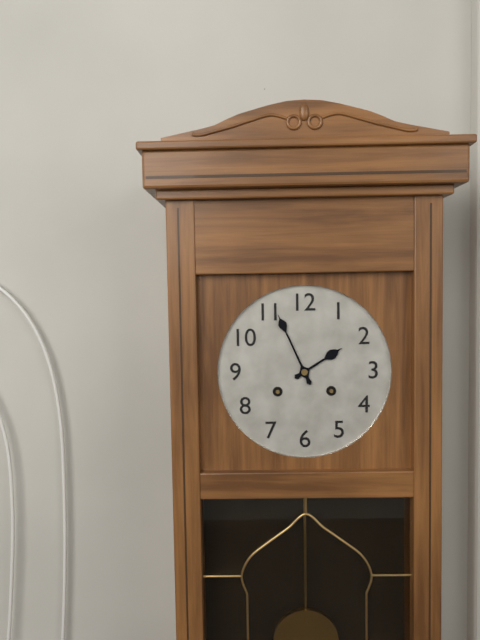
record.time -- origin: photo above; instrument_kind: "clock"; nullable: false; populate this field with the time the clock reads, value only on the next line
1:56
